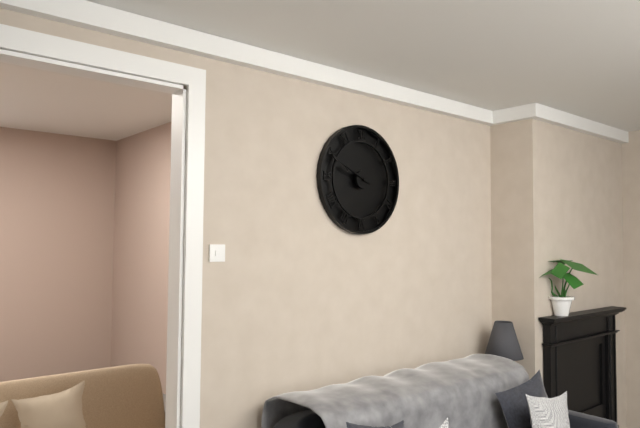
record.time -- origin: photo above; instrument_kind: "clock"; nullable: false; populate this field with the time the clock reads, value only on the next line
9:49
